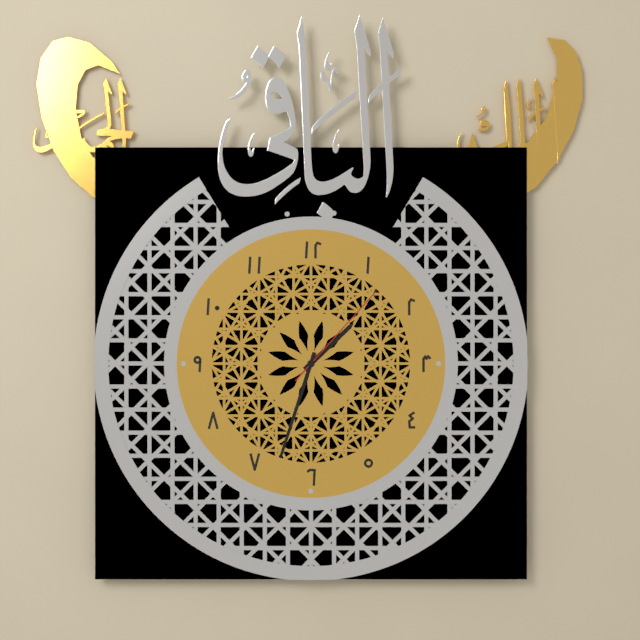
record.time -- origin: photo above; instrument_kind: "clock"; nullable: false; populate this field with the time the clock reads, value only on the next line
1:33:07
